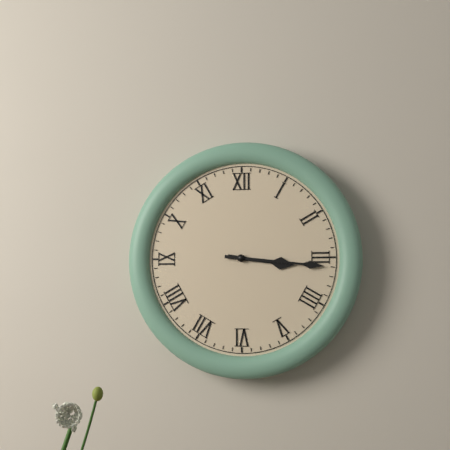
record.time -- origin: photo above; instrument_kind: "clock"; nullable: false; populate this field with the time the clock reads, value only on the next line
3:16
